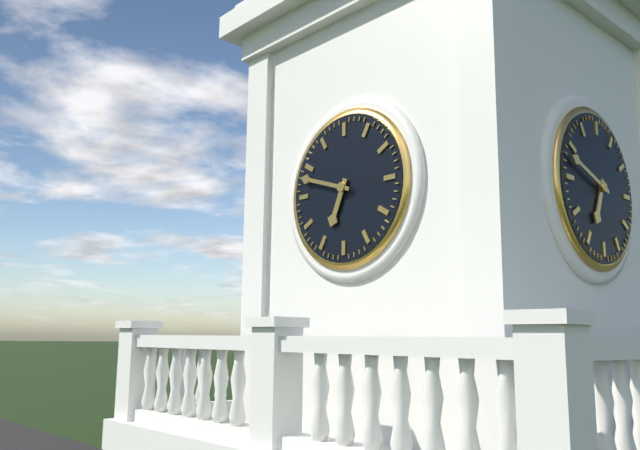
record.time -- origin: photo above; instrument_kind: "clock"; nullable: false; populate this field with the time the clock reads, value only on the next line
6:48
